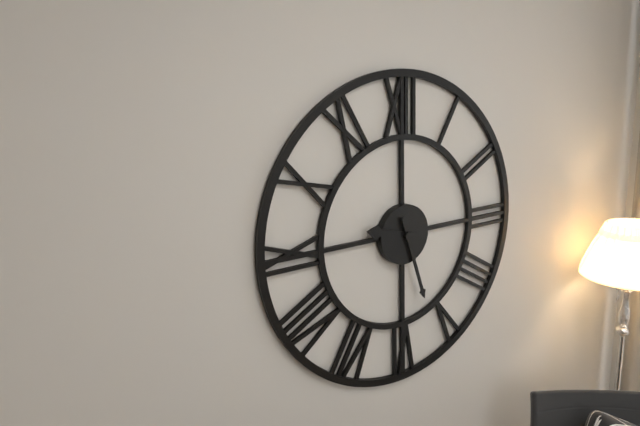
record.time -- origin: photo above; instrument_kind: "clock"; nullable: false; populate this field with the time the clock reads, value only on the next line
9:27
